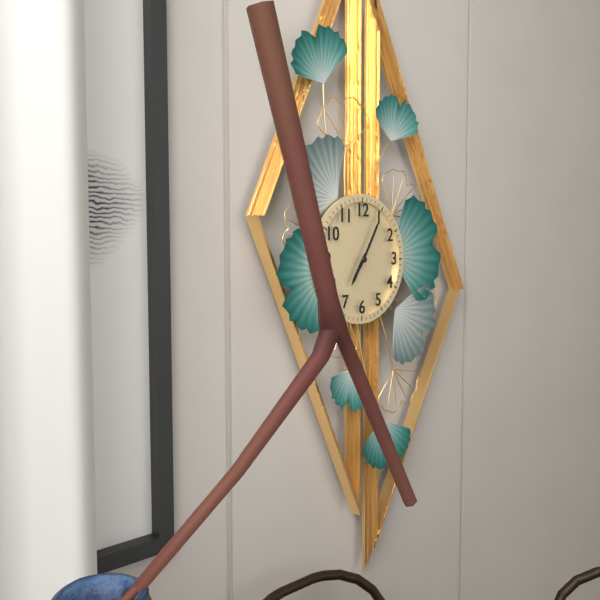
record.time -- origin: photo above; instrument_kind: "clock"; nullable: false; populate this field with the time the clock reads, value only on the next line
7:05
